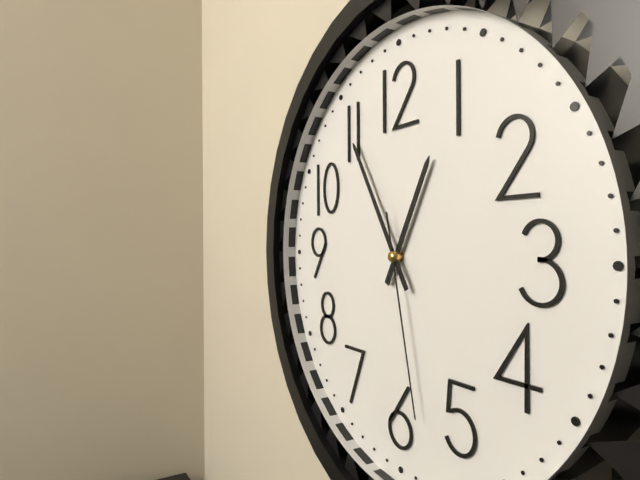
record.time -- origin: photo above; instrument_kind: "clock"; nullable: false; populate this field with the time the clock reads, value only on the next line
12:55:28
